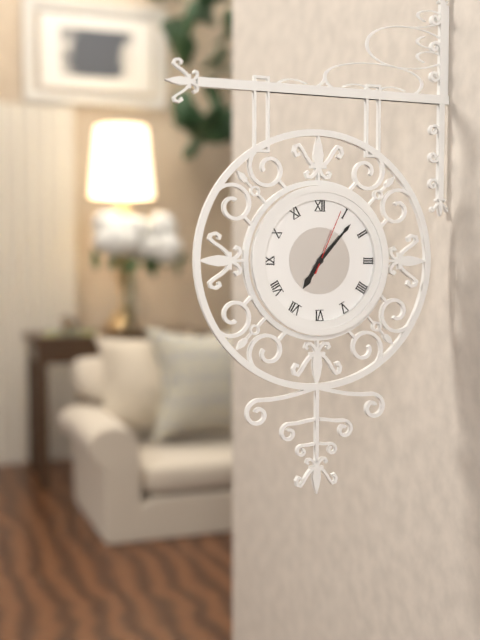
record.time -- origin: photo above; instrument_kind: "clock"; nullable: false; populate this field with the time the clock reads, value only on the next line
7:07:04
